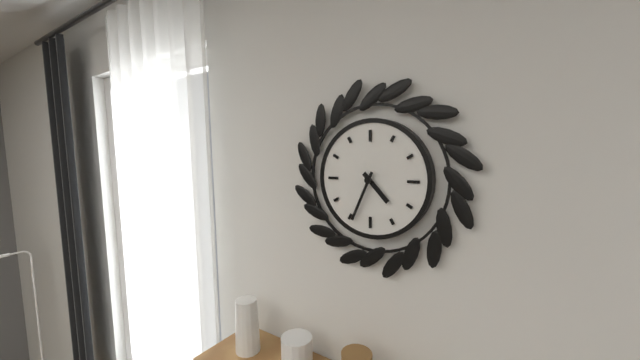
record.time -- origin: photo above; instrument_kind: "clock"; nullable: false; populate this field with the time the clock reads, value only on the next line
4:34
